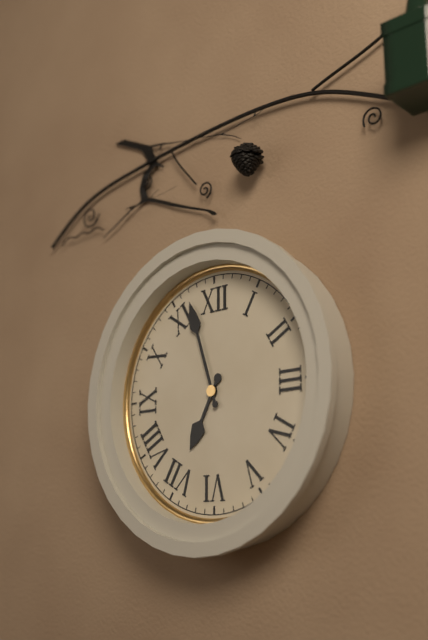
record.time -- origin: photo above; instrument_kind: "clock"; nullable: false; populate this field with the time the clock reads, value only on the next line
6:57
